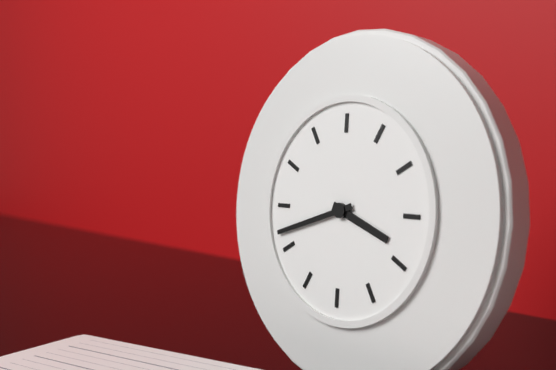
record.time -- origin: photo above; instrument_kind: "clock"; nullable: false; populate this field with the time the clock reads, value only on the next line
3:42
